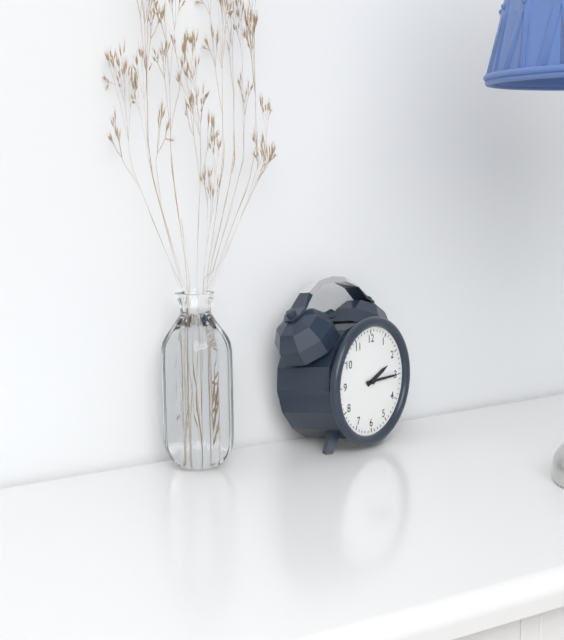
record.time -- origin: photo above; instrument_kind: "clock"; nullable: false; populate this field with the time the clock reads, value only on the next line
2:15
